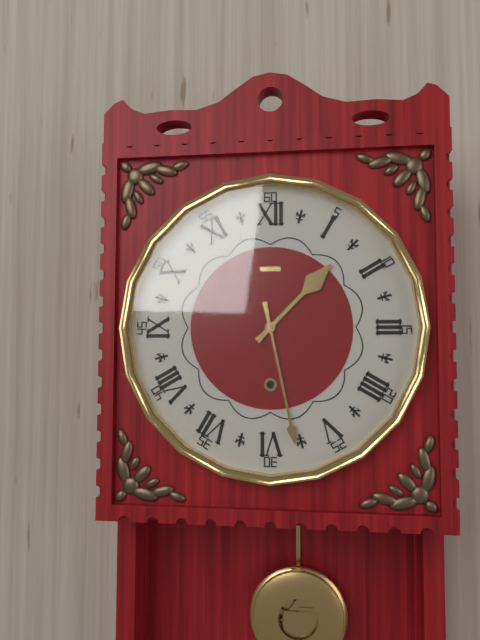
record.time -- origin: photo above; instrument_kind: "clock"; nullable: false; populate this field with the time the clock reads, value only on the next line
1:28
